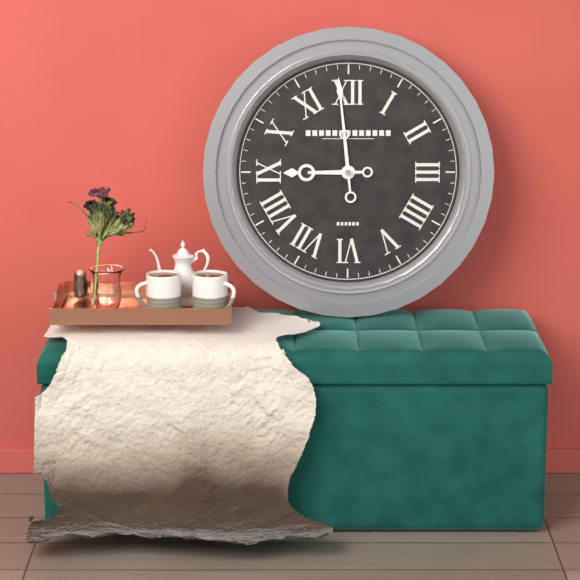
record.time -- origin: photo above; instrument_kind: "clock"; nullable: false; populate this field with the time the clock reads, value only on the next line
8:59
